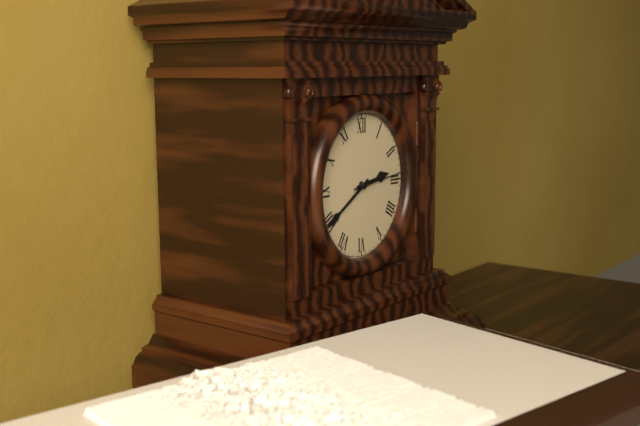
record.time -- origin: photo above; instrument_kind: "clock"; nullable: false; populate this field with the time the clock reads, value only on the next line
2:40
